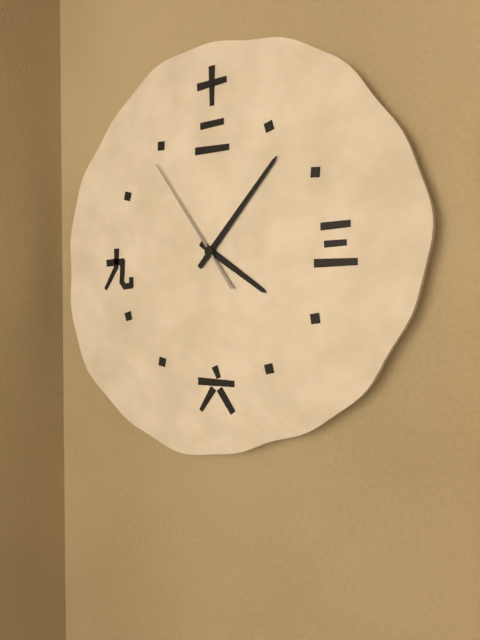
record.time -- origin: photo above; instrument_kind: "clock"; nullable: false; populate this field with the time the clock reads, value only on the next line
4:07:54
